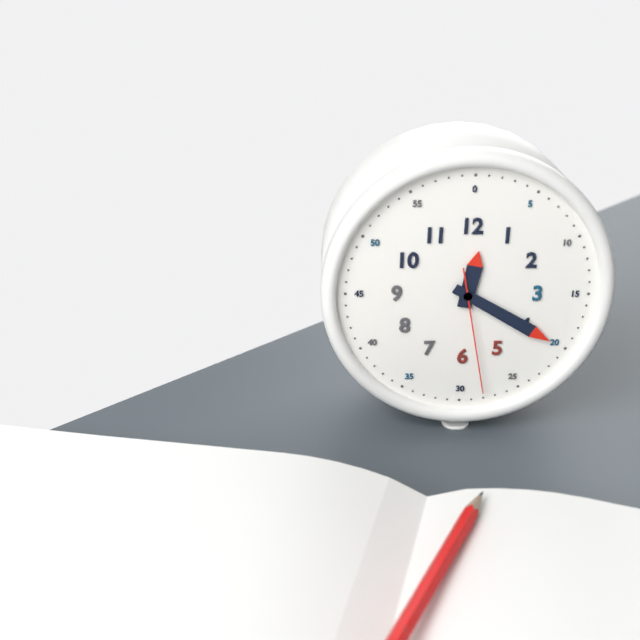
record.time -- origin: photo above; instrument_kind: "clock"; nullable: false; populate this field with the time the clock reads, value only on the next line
12:20:28
